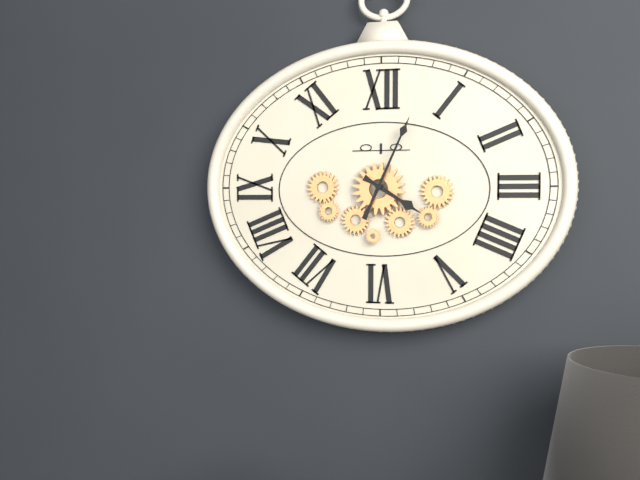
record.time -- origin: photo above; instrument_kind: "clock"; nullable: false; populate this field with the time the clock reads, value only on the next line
4:04
